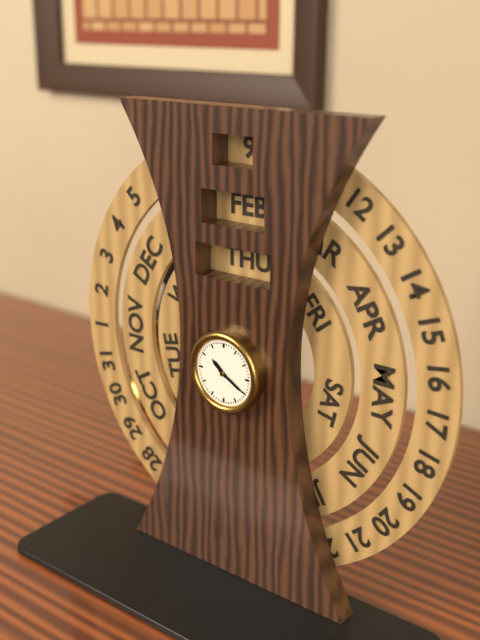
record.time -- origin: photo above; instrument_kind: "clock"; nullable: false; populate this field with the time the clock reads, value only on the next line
10:20
